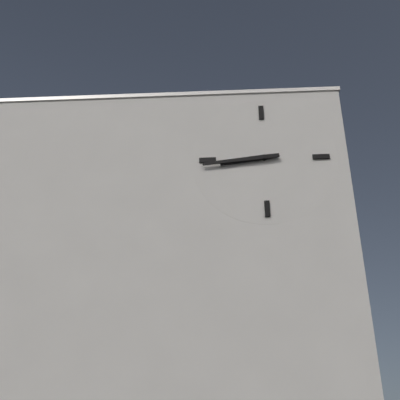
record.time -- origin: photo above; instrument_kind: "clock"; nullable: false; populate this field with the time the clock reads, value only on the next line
8:44
